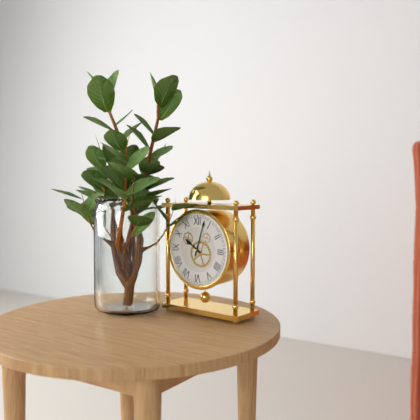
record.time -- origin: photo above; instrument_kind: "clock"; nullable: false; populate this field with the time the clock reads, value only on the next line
10:03
